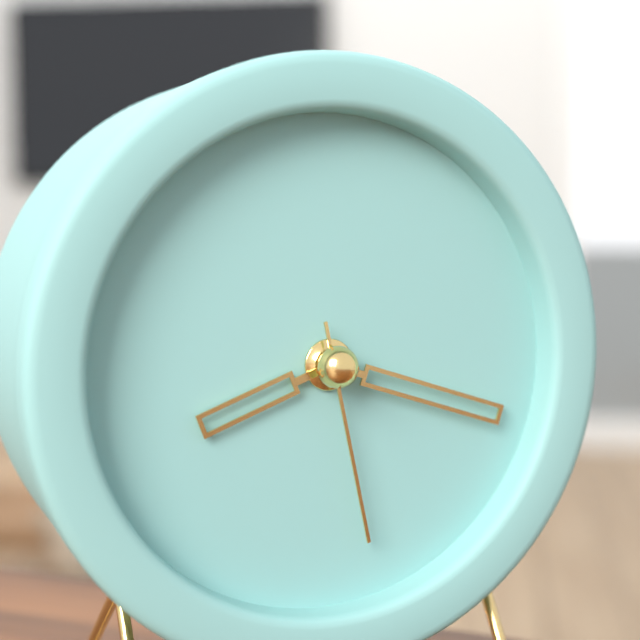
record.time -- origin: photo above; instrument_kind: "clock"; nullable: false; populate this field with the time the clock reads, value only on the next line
8:18:28
